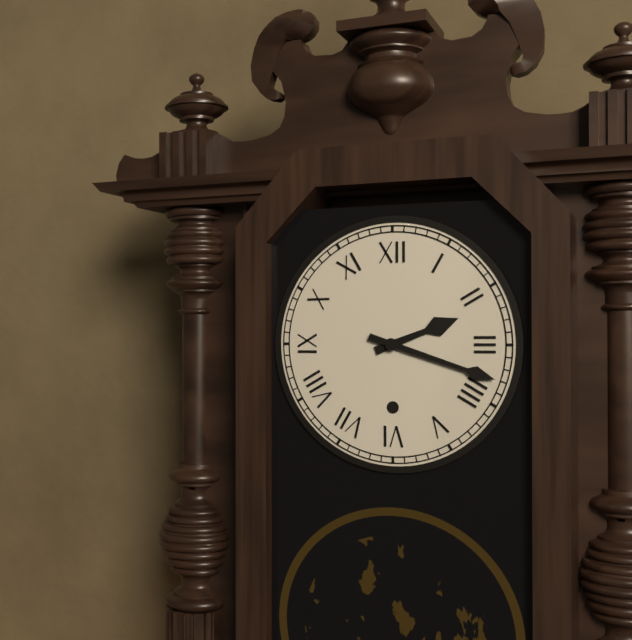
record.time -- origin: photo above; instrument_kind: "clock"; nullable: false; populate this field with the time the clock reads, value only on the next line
2:18
